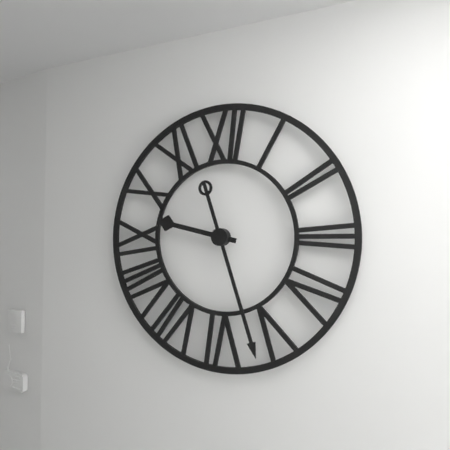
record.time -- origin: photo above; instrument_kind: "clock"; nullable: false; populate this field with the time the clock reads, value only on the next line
9:27
